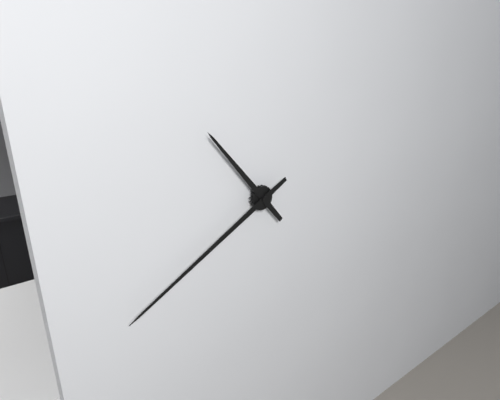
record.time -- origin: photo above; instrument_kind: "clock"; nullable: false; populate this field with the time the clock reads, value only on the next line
10:40
